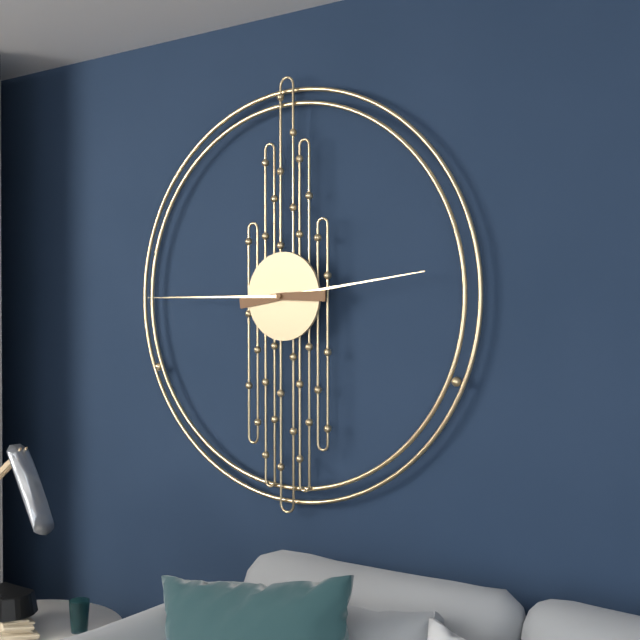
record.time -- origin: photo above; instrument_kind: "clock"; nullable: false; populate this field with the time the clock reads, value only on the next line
2:45
